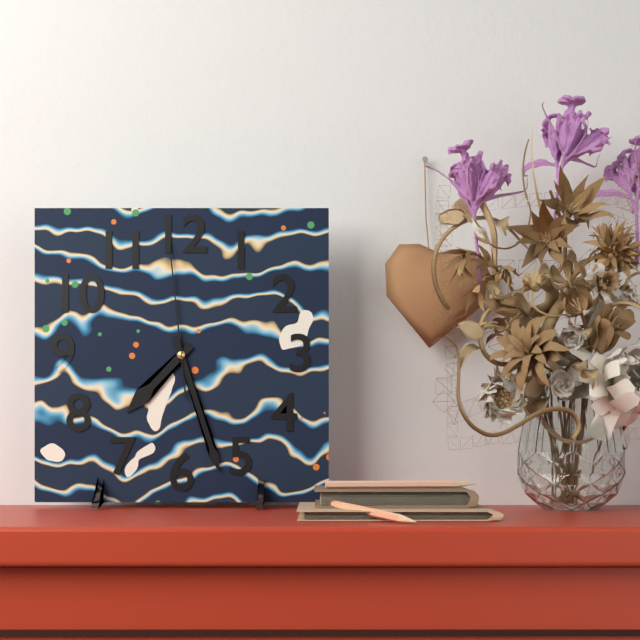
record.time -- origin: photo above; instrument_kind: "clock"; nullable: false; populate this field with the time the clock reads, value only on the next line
7:27:59
